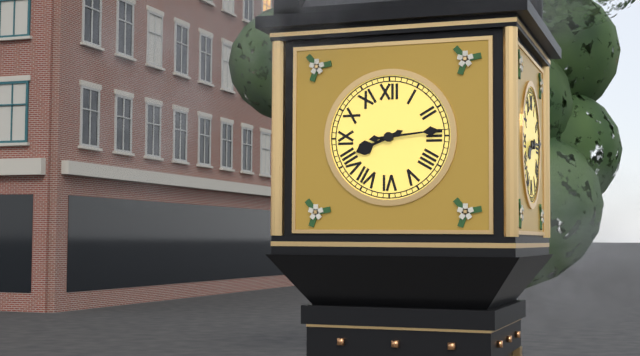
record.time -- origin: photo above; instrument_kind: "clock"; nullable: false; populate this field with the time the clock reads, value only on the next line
8:14
